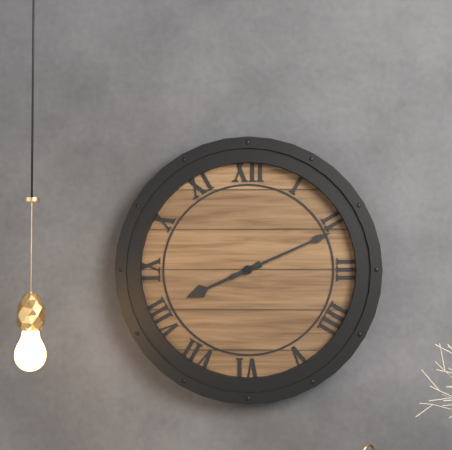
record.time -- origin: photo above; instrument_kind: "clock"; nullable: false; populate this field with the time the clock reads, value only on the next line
8:11
